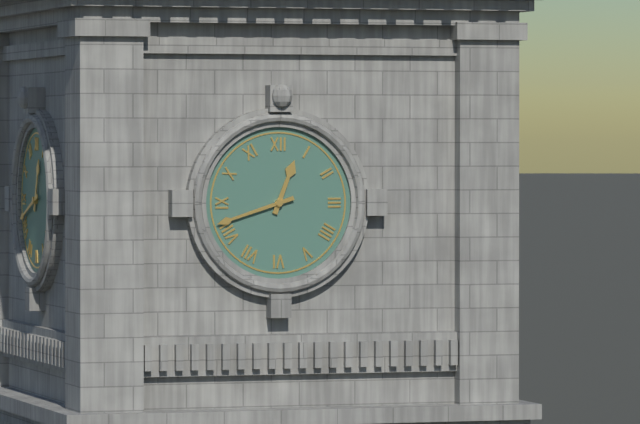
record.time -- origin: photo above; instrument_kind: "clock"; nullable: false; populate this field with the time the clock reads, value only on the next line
12:42
